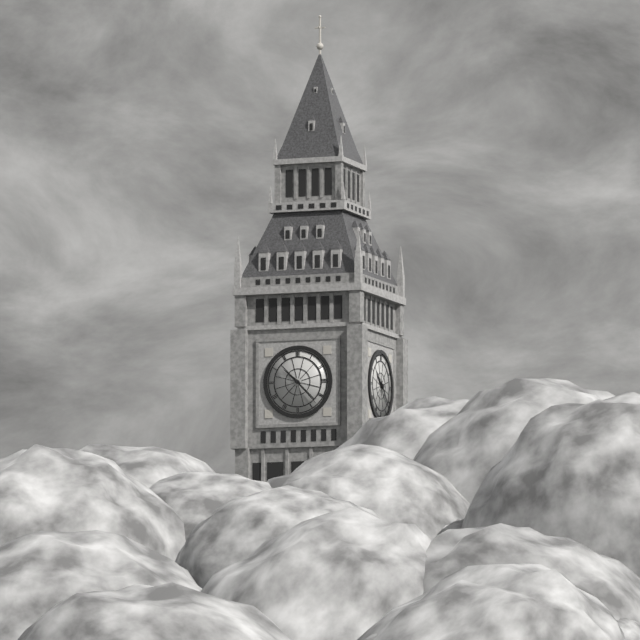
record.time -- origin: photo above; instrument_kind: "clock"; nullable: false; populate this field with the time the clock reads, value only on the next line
10:23
